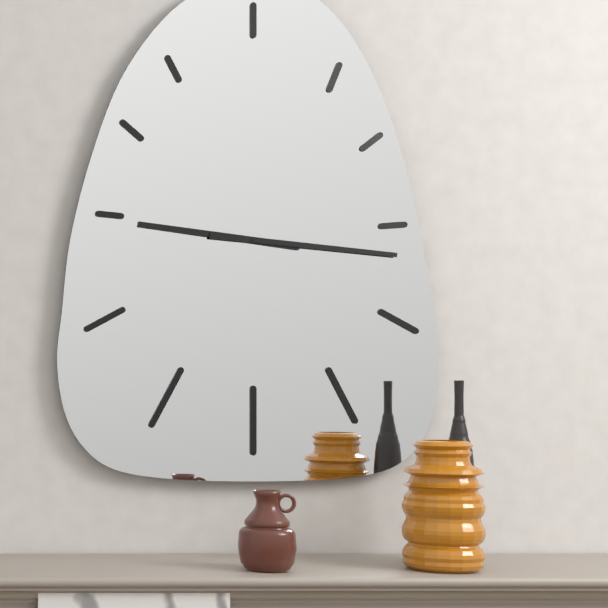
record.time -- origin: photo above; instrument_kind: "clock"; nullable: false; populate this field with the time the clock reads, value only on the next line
9:16
